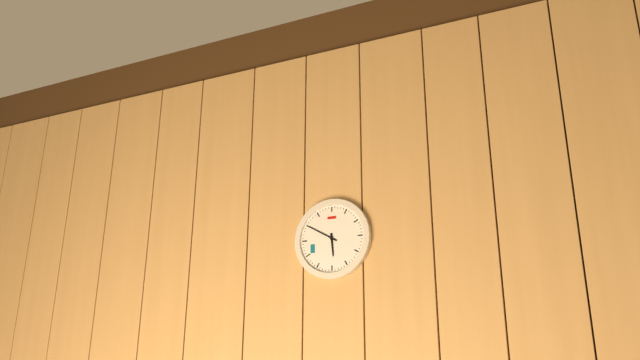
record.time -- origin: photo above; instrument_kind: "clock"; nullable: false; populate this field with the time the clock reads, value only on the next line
5:50
